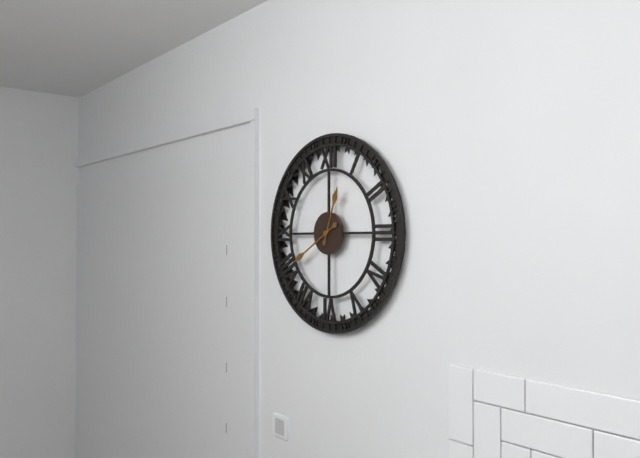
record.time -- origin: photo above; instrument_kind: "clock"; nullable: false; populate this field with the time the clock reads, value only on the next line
12:40
